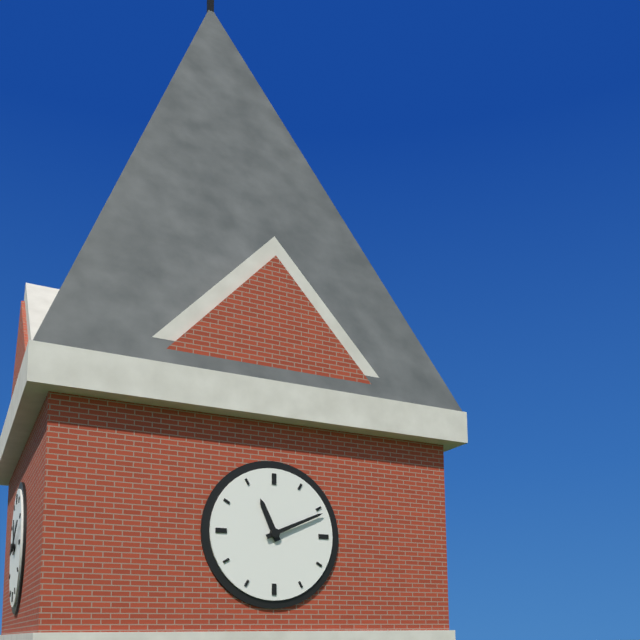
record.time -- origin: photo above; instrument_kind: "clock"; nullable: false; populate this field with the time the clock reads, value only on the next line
11:11
